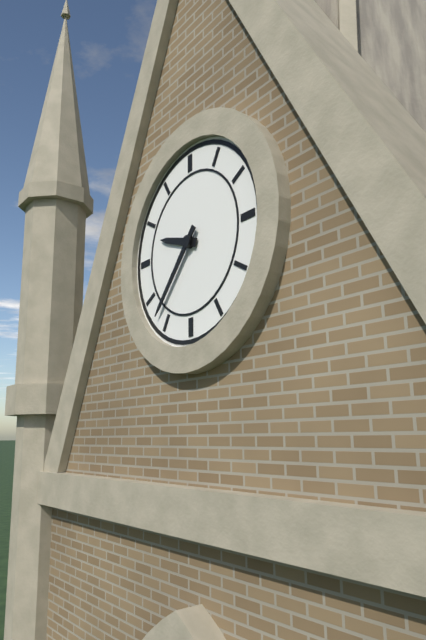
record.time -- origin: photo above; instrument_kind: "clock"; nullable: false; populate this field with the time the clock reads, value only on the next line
9:37
